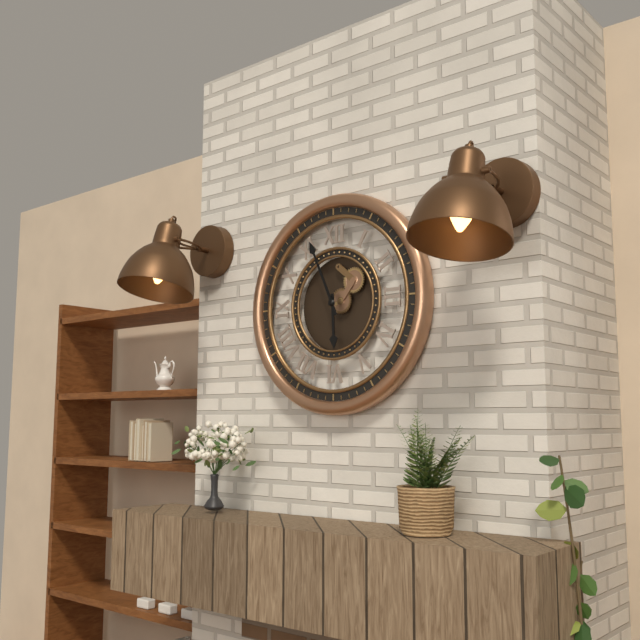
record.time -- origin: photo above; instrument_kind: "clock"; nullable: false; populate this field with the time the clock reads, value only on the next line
5:56
